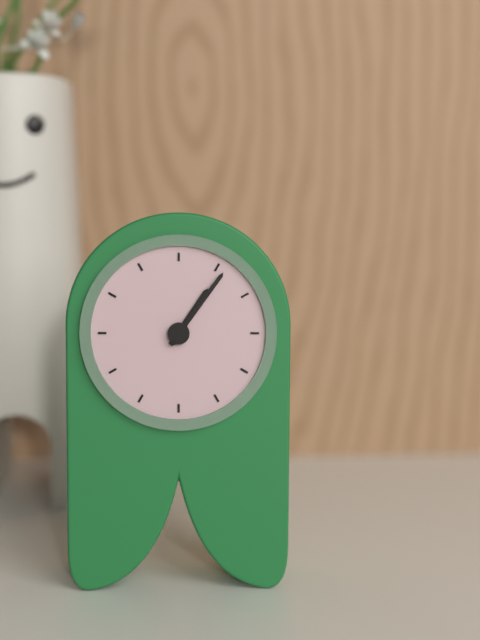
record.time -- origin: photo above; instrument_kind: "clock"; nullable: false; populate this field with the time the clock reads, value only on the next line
1:06
